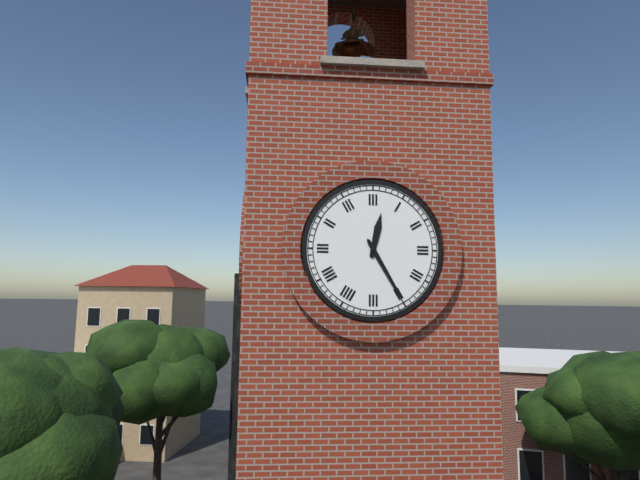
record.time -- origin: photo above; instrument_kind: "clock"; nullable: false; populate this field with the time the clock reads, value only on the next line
12:25
